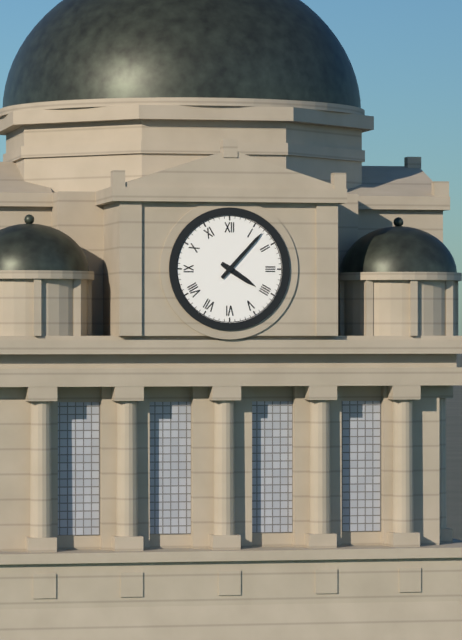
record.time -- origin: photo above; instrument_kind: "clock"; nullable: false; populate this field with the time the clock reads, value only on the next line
4:07
